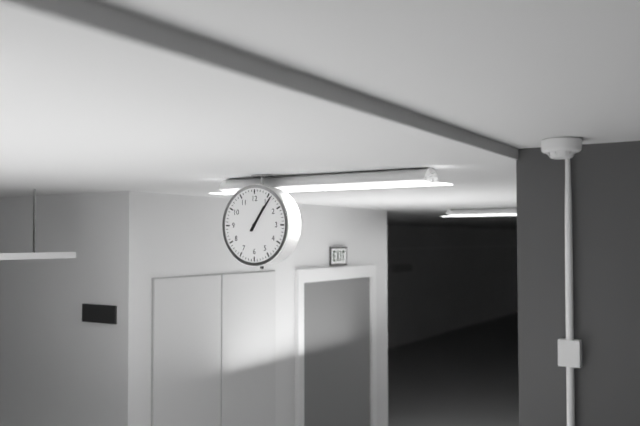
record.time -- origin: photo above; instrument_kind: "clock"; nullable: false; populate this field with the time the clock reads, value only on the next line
1:06
